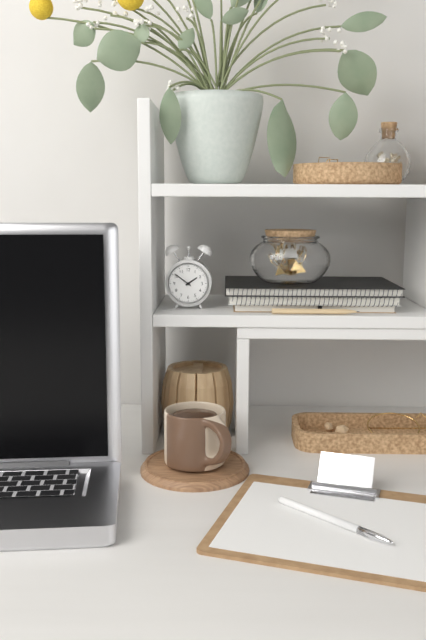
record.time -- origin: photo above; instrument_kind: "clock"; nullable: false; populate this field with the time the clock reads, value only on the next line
1:51
